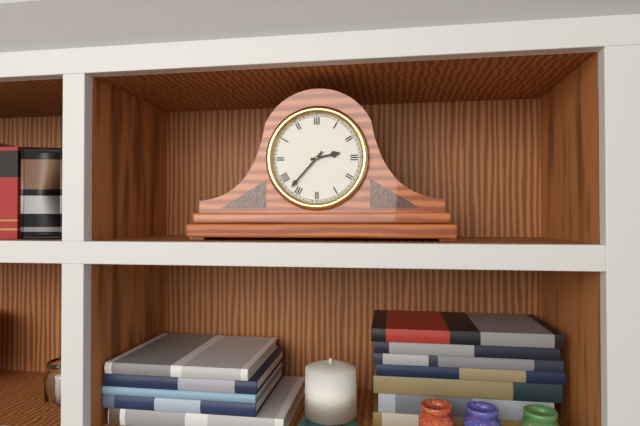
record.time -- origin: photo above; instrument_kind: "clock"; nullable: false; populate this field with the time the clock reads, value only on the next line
2:37
